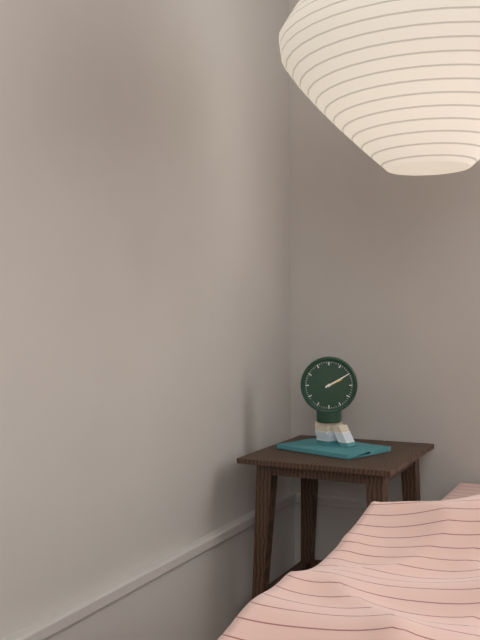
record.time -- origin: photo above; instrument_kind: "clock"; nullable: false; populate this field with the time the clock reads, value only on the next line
2:10
